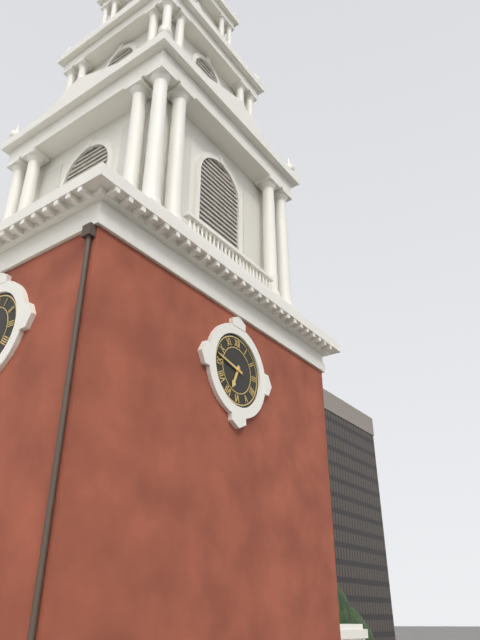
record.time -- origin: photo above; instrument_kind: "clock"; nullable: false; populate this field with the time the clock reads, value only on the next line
6:47
